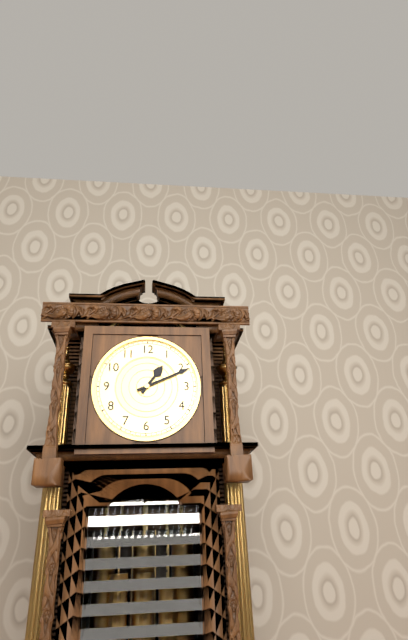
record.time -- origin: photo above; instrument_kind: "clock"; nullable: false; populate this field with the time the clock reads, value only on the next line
1:11
